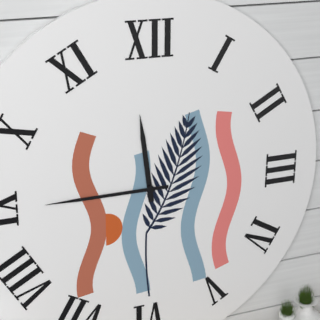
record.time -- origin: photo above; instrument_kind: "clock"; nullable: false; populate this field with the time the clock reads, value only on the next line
11:45
